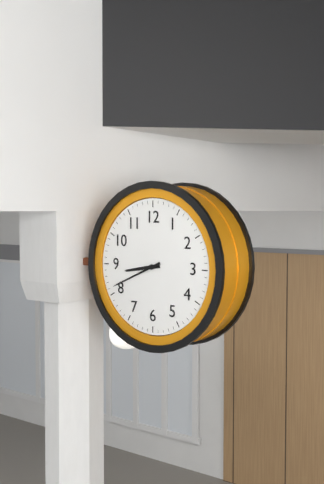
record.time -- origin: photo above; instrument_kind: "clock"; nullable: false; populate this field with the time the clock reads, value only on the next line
8:41
